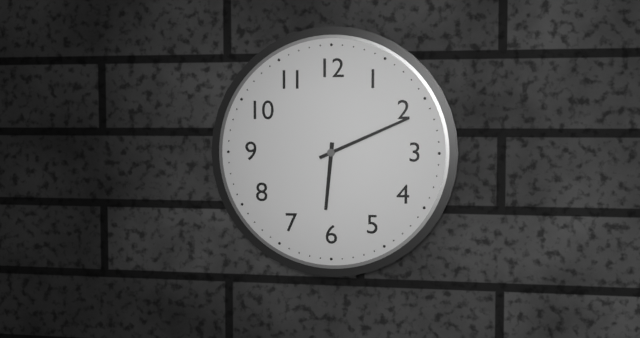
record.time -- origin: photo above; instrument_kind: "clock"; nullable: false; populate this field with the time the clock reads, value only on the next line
6:11
